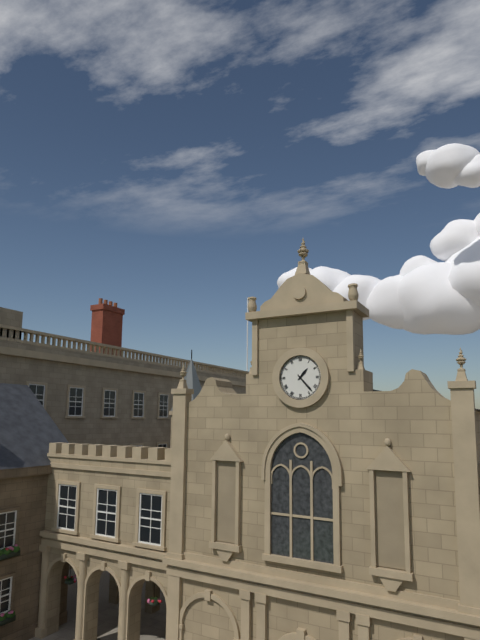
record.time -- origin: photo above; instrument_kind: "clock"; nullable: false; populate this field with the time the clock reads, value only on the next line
1:23
